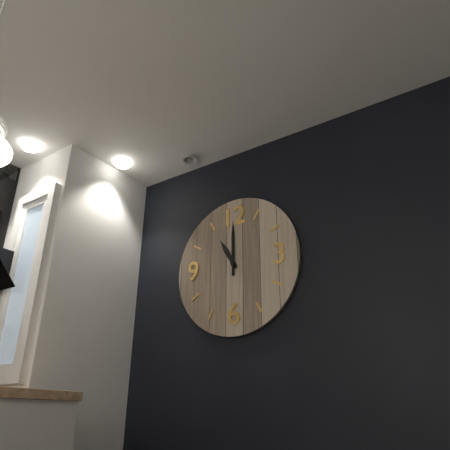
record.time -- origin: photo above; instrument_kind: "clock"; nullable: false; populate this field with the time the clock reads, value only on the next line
11:00
